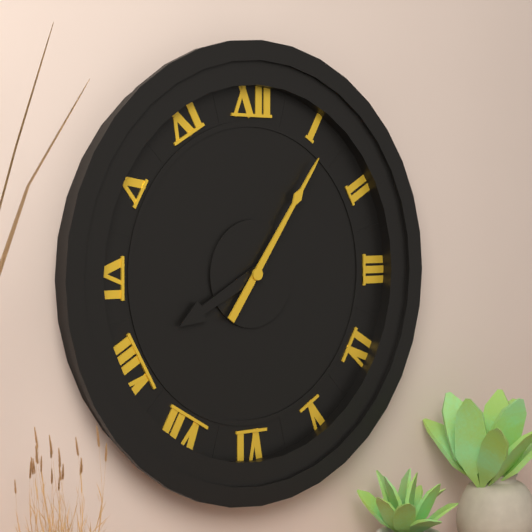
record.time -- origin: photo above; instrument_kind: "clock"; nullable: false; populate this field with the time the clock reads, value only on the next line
8:06
